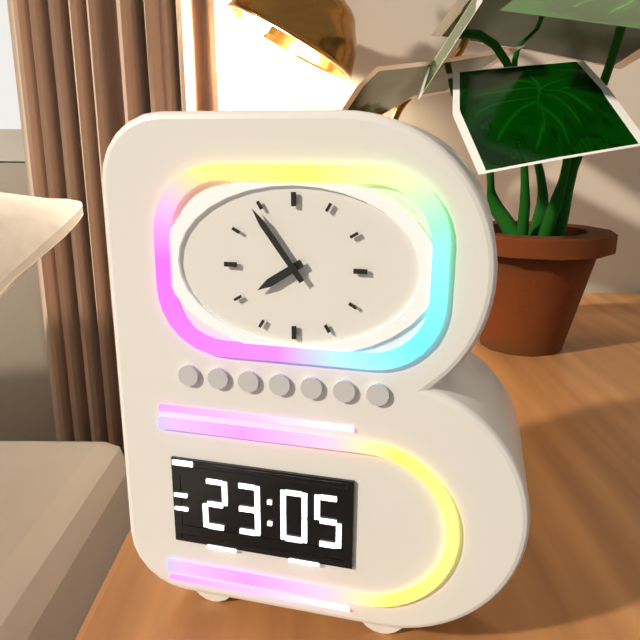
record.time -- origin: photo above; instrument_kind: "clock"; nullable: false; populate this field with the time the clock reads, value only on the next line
7:54
